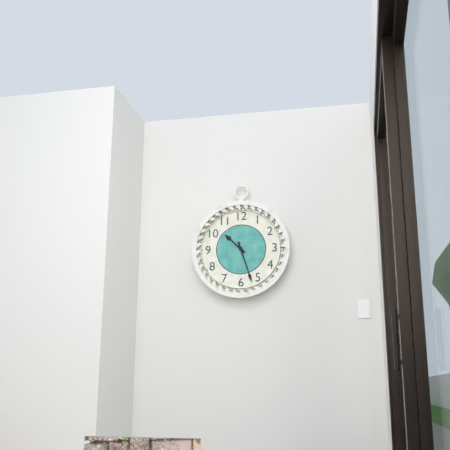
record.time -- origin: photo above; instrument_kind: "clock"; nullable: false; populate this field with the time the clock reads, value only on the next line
10:27
